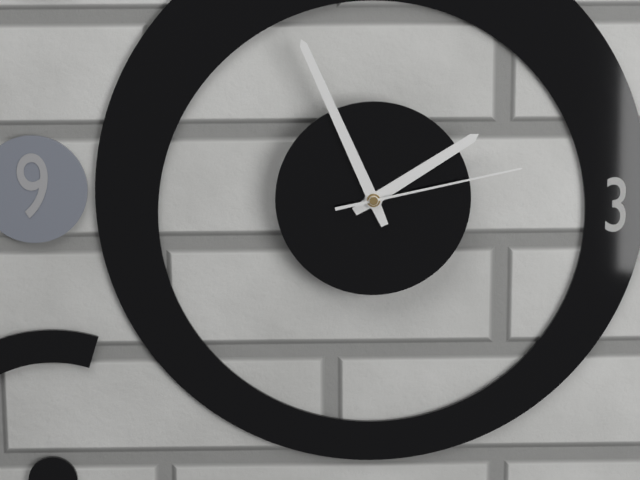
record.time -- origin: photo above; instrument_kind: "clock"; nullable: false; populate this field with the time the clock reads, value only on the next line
1:56:13
